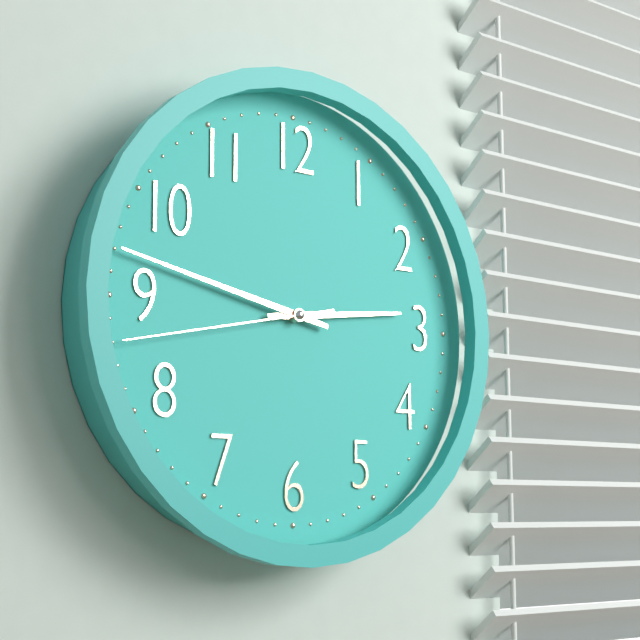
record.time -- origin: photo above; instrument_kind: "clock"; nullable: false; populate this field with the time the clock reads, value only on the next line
2:47:43
